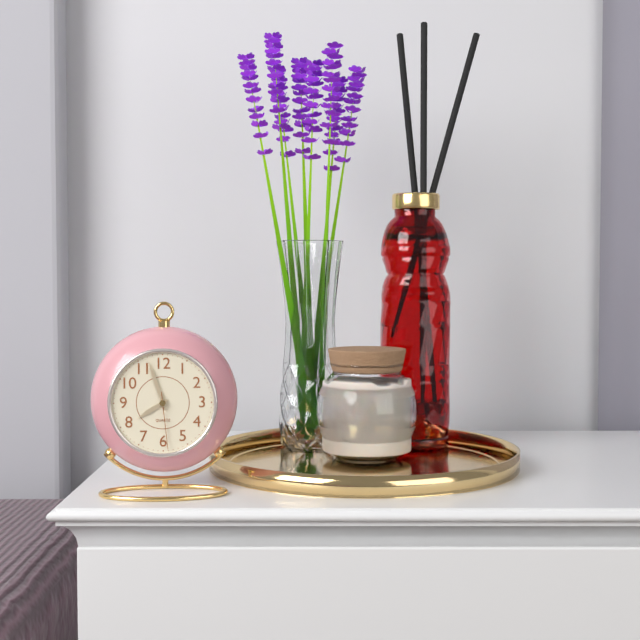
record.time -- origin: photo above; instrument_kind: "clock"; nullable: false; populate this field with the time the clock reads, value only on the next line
7:57:29
